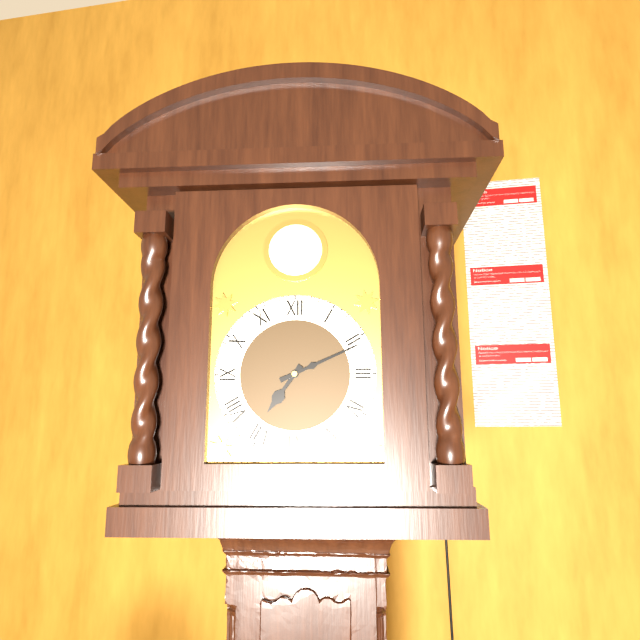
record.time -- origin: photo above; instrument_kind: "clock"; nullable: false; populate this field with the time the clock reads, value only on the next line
7:11
